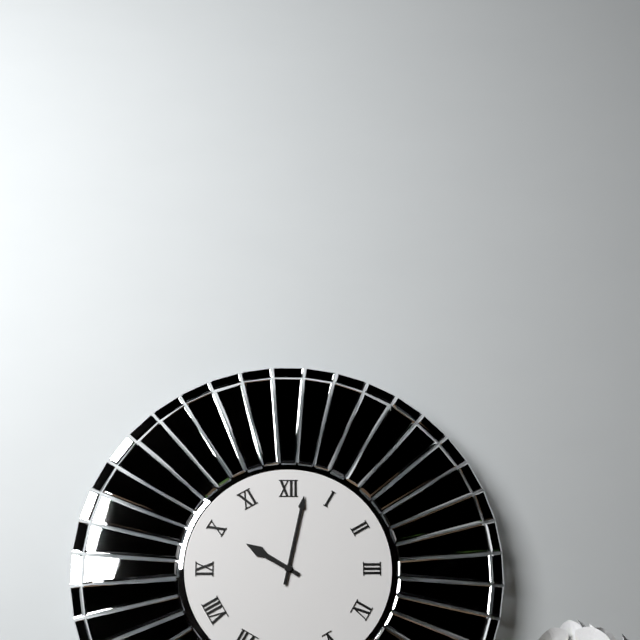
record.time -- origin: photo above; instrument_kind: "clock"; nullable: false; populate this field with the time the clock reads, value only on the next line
10:02
